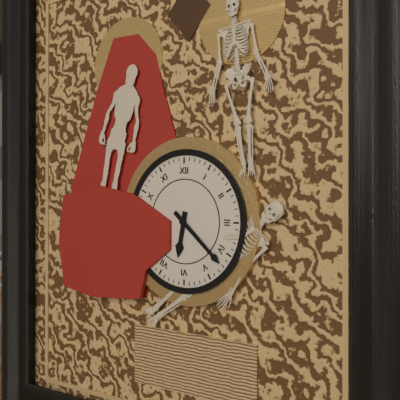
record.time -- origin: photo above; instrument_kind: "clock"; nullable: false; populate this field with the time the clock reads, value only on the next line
6:22
